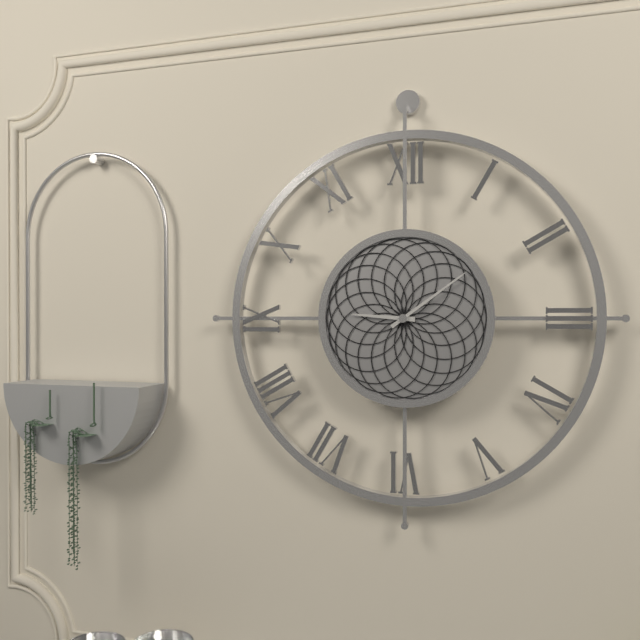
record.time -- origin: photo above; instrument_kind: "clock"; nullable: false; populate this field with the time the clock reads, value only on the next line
9:09
